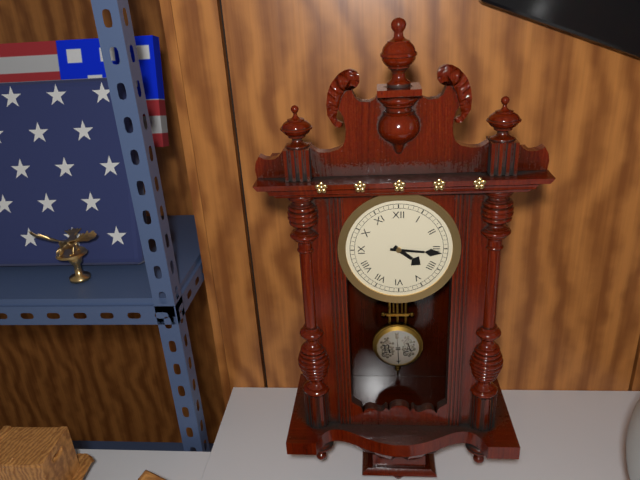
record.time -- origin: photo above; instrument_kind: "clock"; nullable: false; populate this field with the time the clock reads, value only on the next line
4:16
